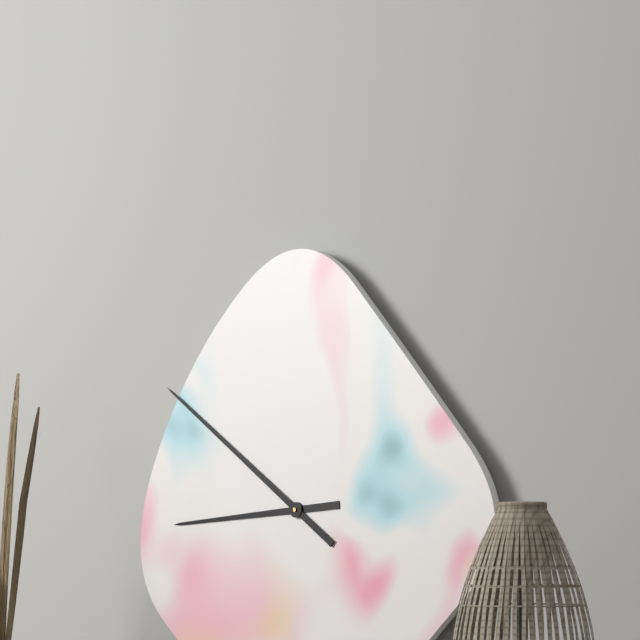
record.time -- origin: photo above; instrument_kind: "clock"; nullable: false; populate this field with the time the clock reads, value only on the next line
8:51
